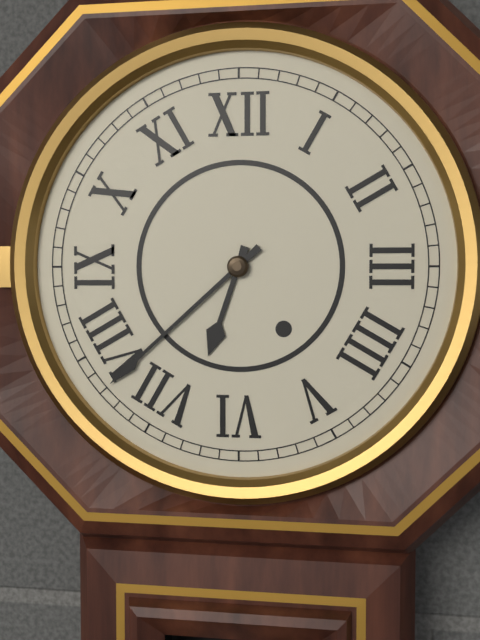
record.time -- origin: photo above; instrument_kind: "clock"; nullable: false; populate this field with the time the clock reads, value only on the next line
6:38
